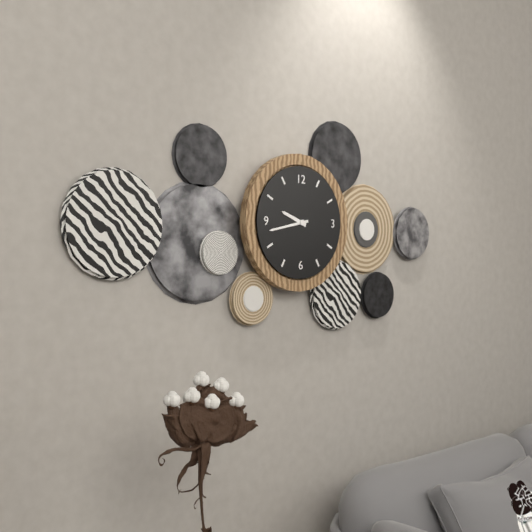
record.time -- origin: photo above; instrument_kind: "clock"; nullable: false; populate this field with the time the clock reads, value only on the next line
9:43
